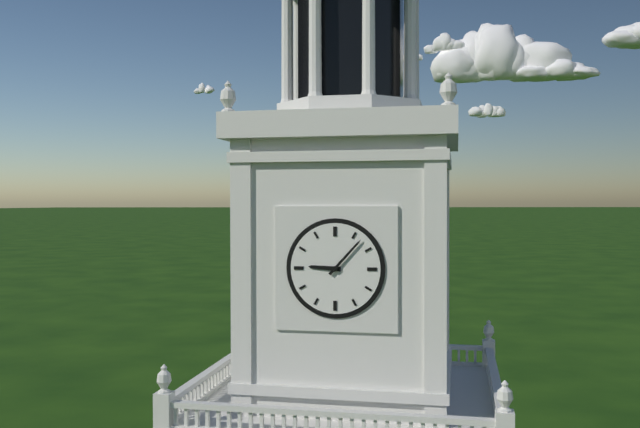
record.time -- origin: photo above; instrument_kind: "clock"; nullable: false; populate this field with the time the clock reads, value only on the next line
9:07
